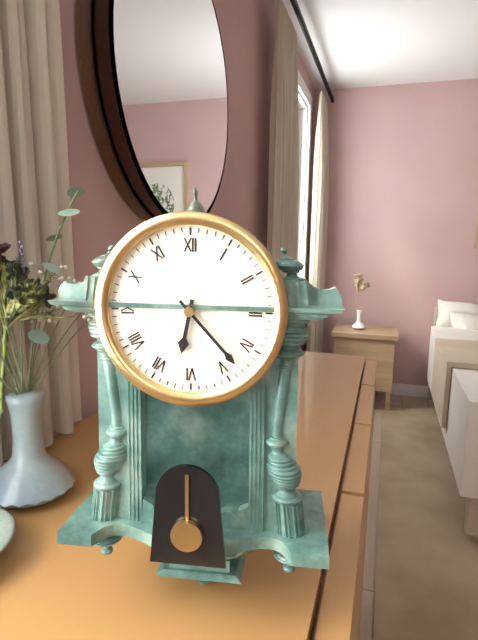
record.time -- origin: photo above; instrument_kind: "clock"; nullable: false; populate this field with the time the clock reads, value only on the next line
6:23
